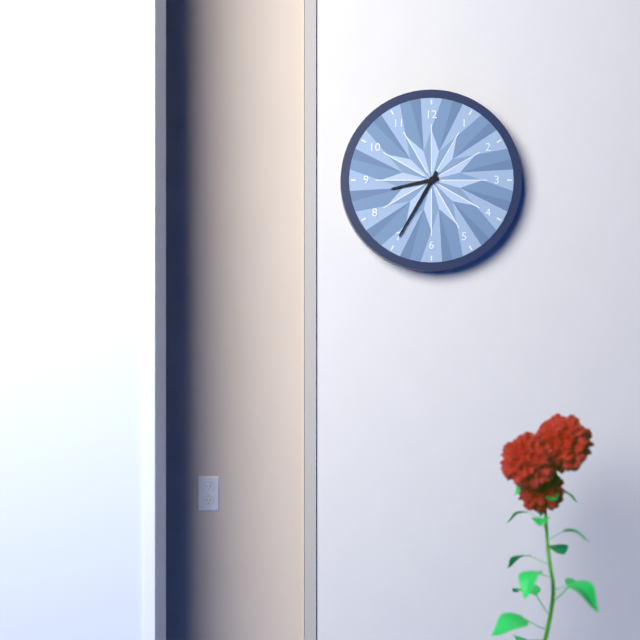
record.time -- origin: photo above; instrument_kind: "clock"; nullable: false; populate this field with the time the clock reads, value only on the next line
8:35
